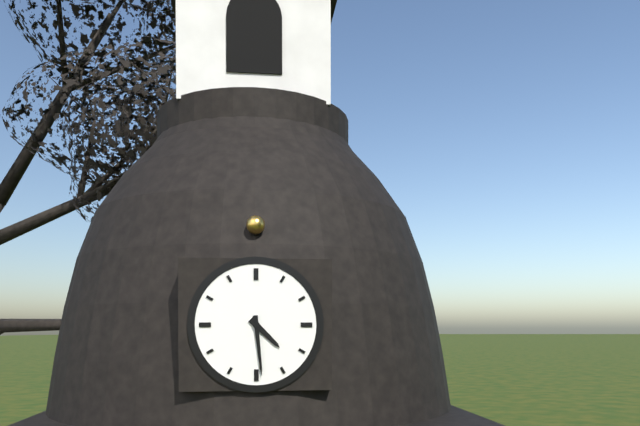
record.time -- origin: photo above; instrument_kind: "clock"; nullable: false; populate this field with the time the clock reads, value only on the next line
4:29
